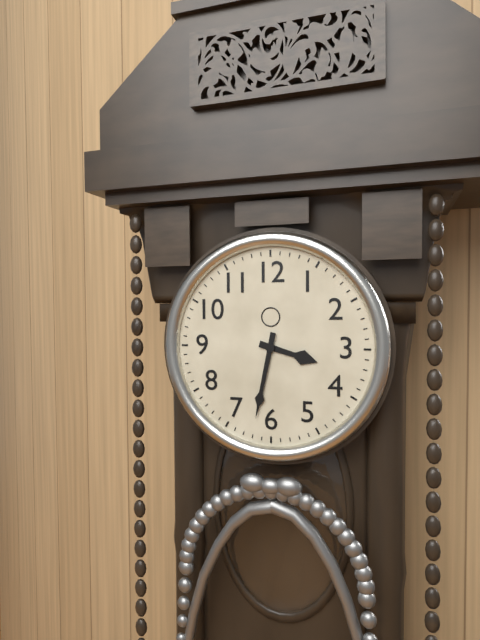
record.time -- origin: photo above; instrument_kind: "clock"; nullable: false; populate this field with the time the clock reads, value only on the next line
3:32
